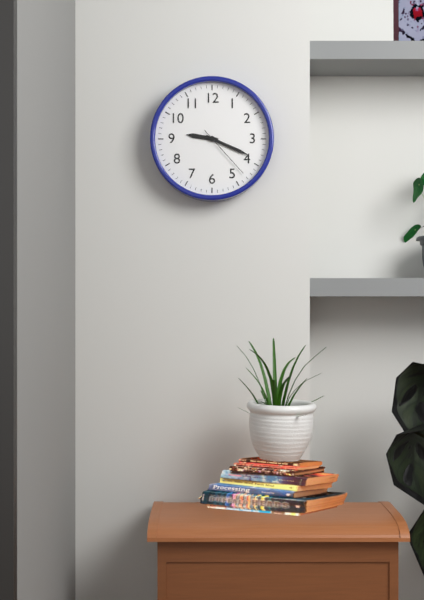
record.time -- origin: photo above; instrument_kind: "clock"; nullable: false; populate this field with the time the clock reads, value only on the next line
9:19:23
